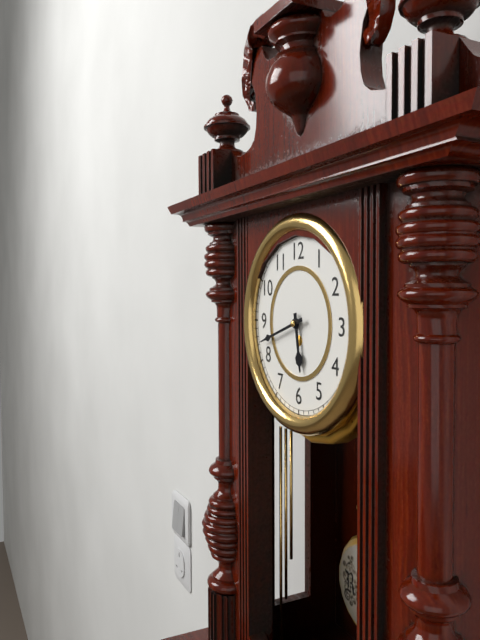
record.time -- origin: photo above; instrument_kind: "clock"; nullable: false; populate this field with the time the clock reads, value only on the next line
5:42
